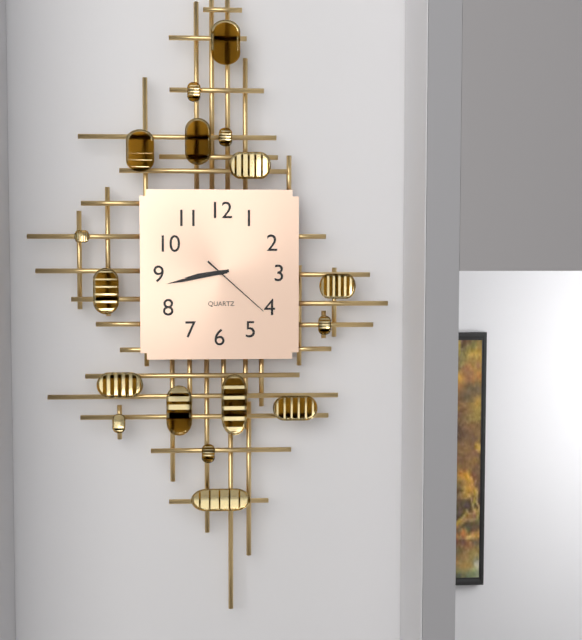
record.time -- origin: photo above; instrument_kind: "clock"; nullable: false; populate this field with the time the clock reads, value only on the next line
8:43:22
